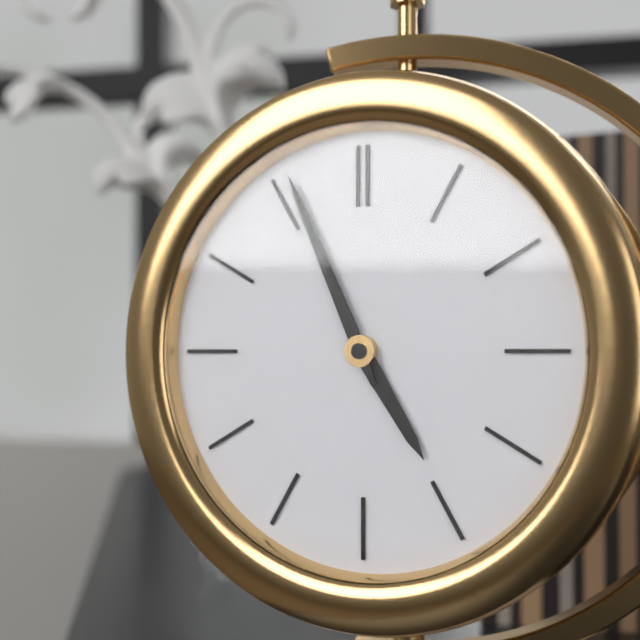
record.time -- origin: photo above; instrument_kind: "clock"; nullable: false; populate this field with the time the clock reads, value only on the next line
4:56
